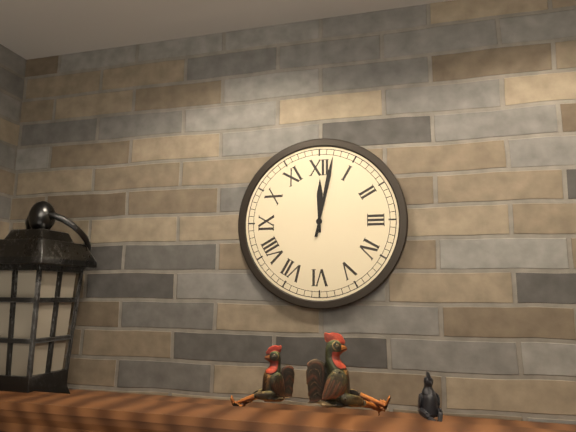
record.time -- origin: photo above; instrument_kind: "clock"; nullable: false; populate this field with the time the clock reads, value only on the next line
12:02
